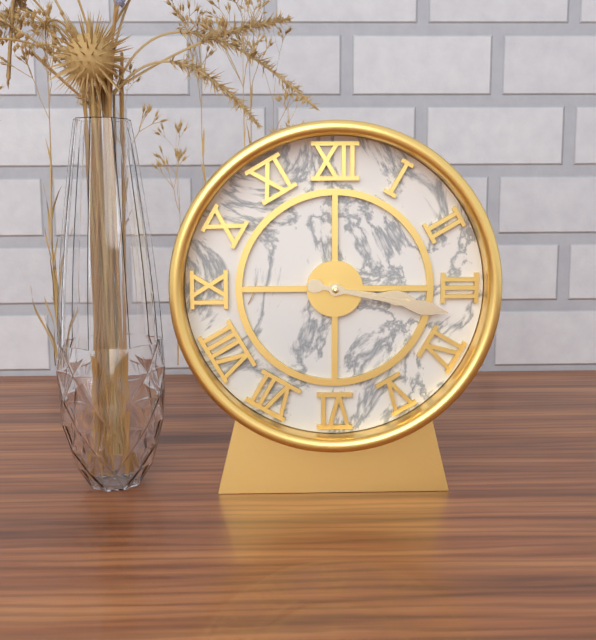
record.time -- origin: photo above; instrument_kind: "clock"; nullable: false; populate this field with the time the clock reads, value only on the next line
3:17
